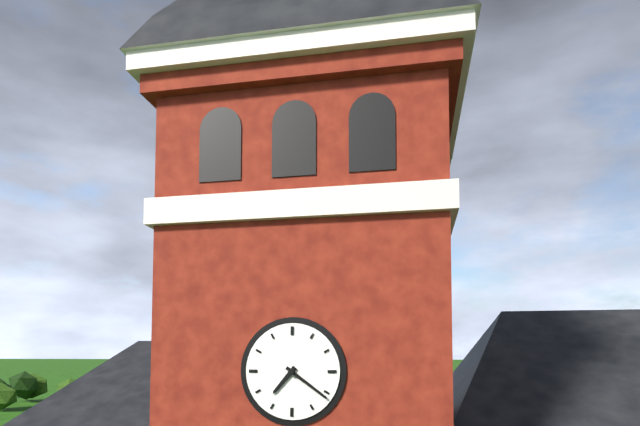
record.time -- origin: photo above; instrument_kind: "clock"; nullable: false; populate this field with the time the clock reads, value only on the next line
7:21
